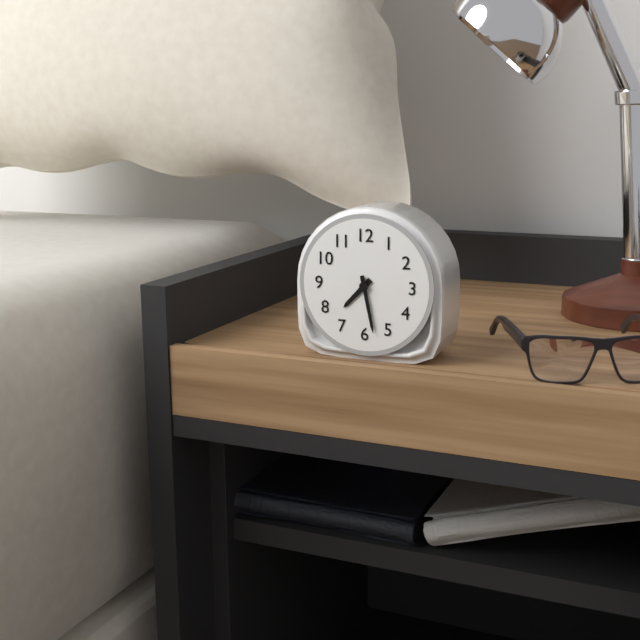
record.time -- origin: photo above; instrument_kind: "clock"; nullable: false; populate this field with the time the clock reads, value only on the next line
7:28
